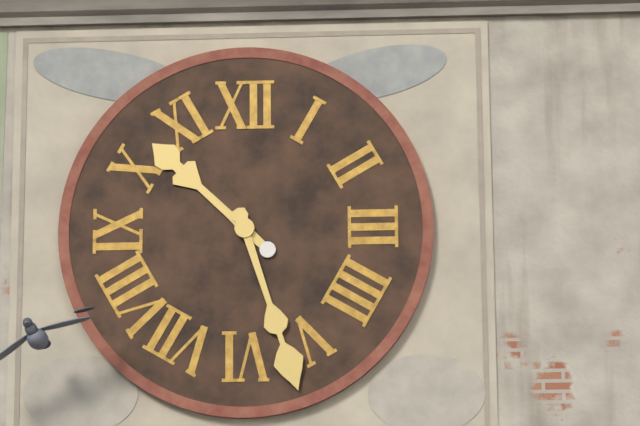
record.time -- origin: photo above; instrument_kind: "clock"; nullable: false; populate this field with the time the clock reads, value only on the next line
10:27
